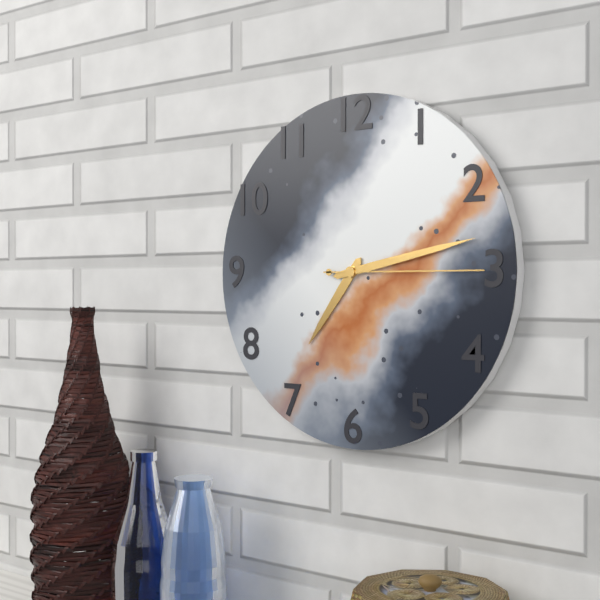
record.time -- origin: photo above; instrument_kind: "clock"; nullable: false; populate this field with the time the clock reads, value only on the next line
7:13:15
